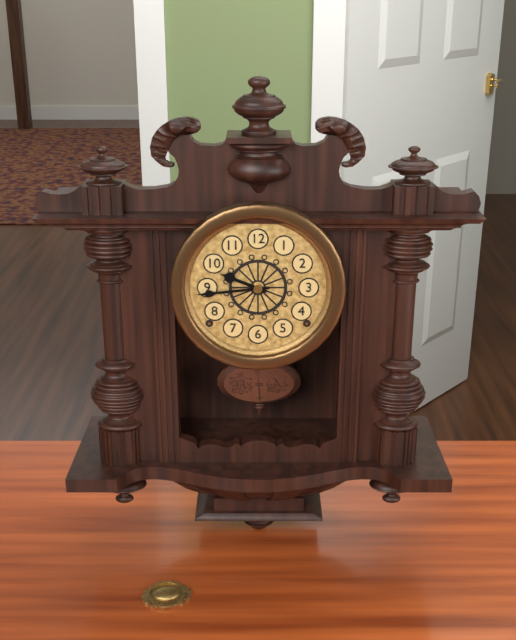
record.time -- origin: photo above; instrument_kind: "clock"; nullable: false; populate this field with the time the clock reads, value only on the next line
9:44
